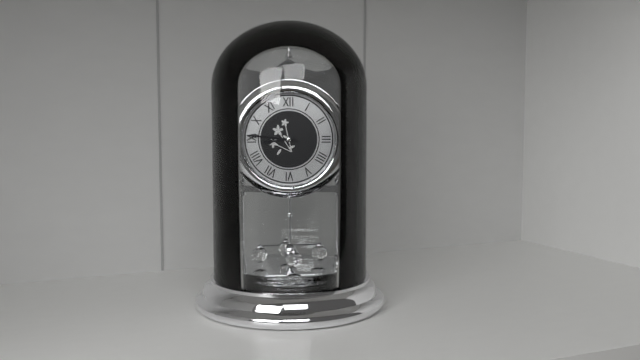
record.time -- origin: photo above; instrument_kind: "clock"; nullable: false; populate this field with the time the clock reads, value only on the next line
8:46
